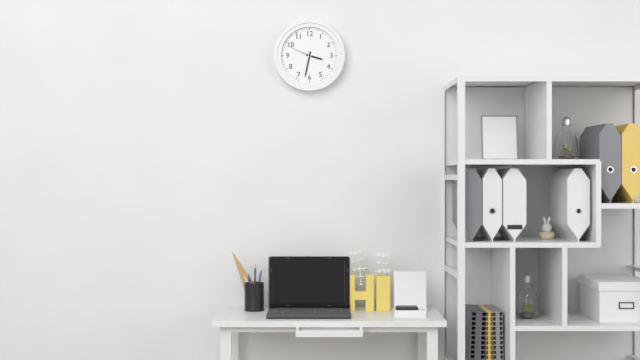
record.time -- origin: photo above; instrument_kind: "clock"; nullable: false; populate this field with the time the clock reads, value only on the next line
3:32
